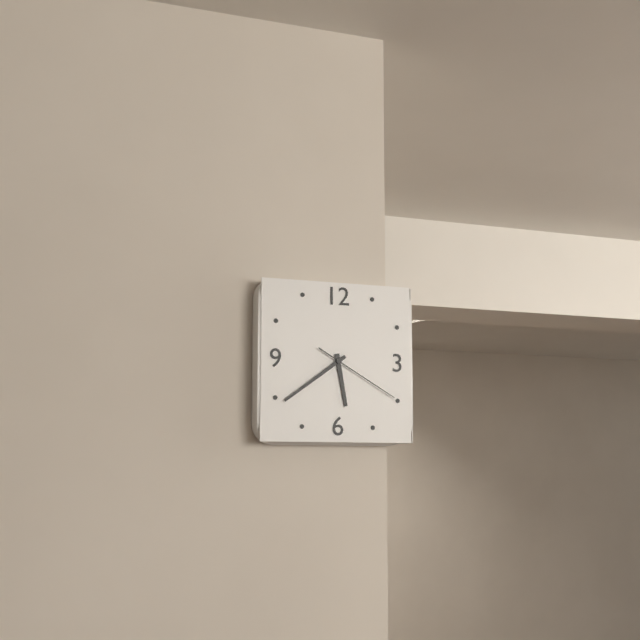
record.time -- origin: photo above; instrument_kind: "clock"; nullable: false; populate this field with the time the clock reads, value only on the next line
5:39:20
